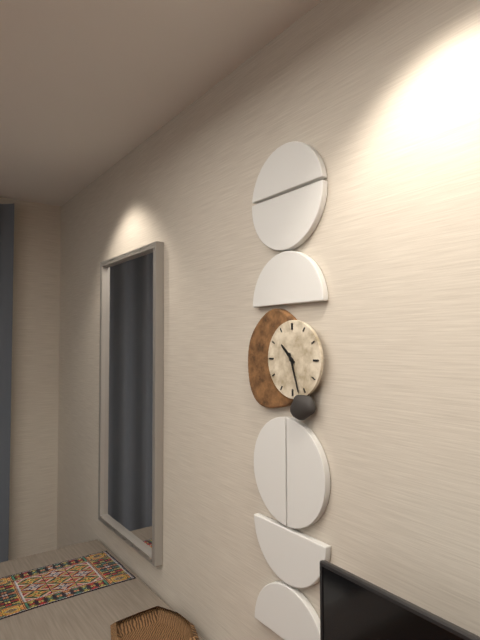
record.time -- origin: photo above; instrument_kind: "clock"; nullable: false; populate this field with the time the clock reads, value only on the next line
10:27
